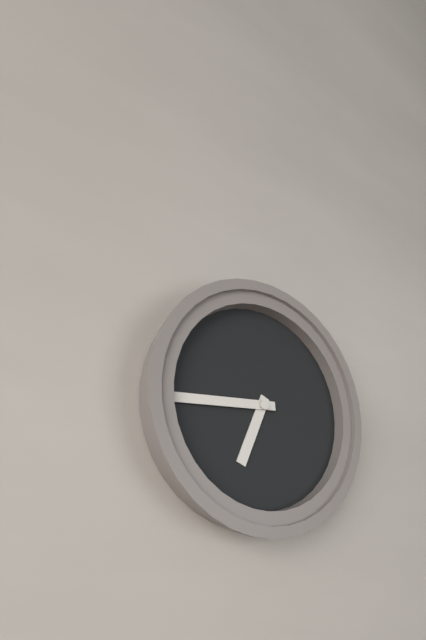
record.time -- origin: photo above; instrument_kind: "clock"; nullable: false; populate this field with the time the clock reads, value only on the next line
6:44
